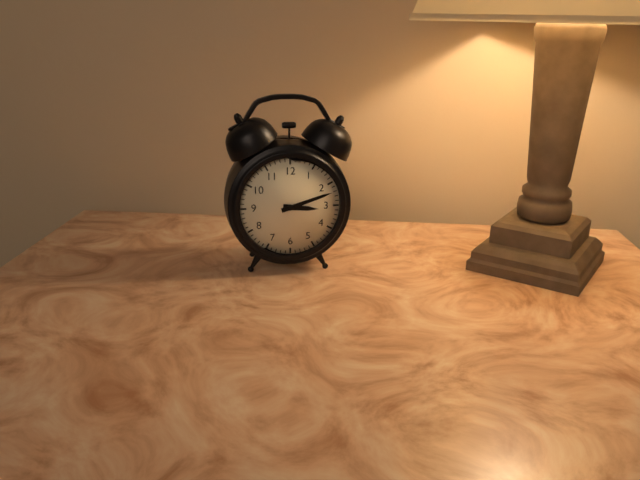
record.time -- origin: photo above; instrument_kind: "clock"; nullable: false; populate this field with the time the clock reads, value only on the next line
3:12
